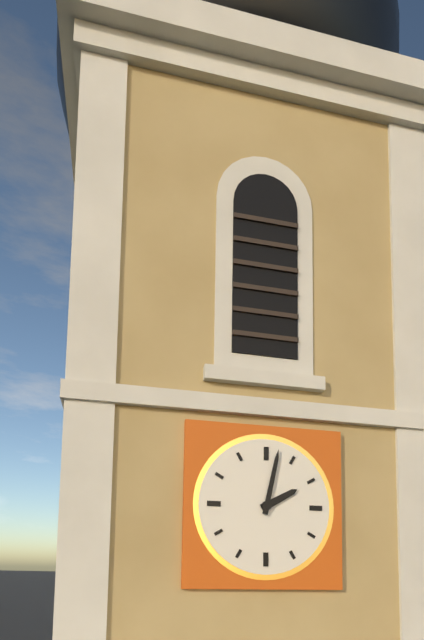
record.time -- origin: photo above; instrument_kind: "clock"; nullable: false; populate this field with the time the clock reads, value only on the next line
2:02
